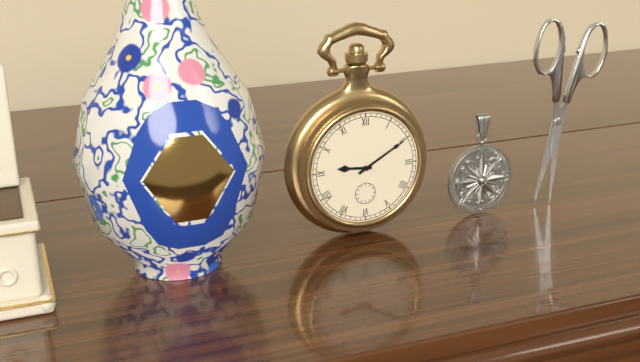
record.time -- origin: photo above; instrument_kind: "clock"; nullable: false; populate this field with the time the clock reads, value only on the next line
9:10
